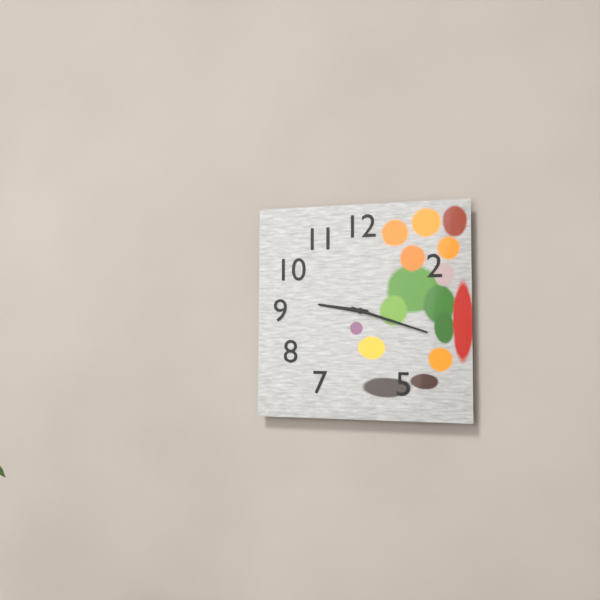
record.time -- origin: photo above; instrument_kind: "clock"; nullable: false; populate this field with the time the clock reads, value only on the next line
9:18
